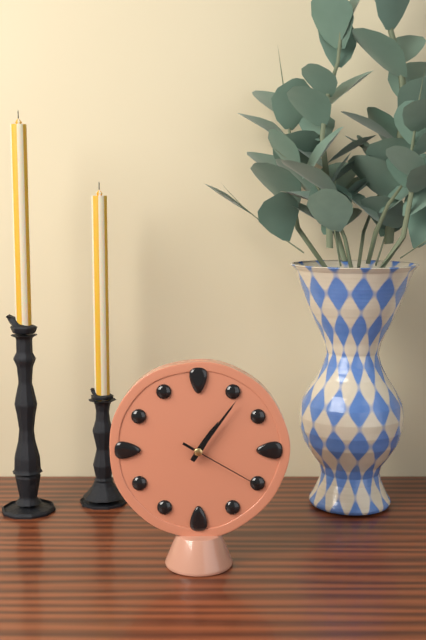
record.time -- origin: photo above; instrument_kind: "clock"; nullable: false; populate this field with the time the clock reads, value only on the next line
1:06:20
